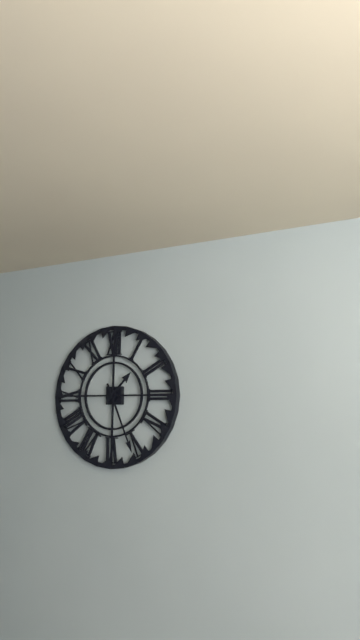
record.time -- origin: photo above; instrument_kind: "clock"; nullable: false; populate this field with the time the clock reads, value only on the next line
1:26
